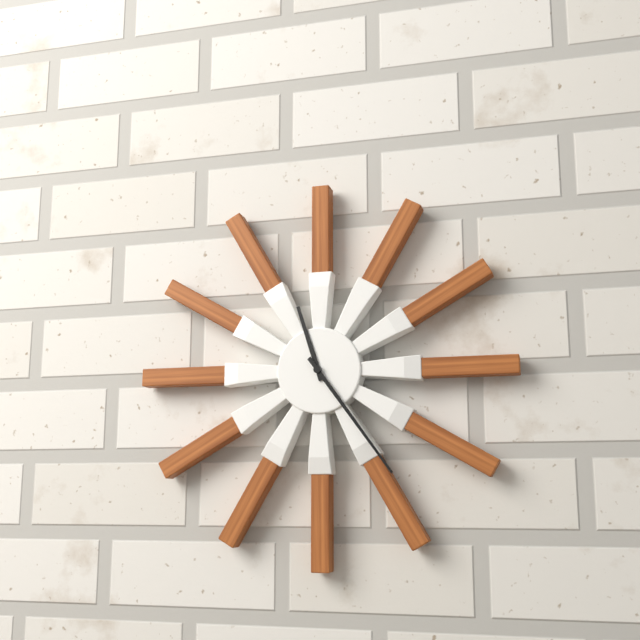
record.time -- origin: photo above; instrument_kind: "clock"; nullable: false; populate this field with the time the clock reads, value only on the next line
11:24
